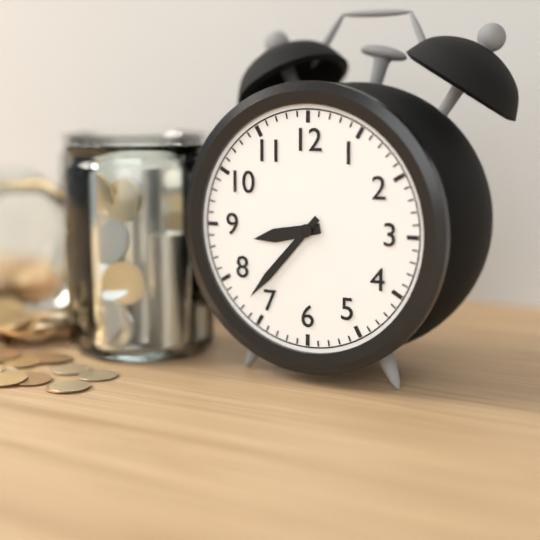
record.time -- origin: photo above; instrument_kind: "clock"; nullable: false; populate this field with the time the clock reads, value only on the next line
8:37
